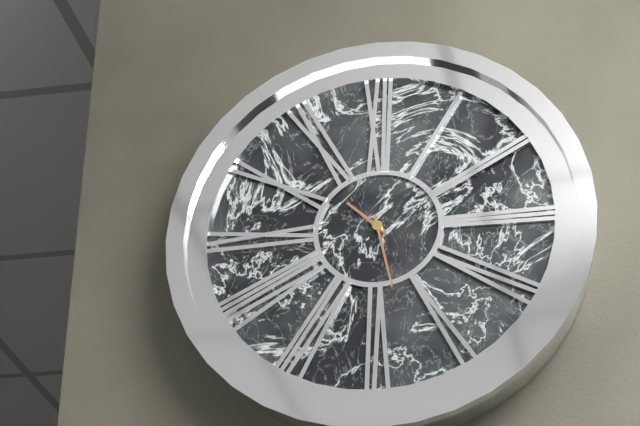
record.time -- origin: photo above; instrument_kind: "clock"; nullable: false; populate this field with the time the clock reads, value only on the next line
10:28
